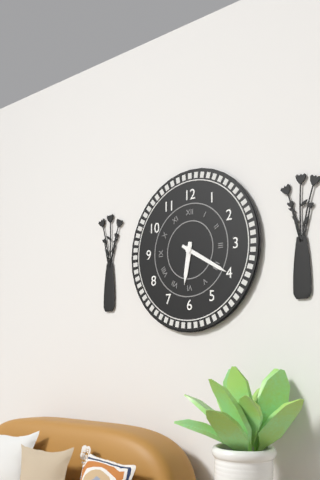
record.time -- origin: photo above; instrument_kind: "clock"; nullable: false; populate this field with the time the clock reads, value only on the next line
6:20
